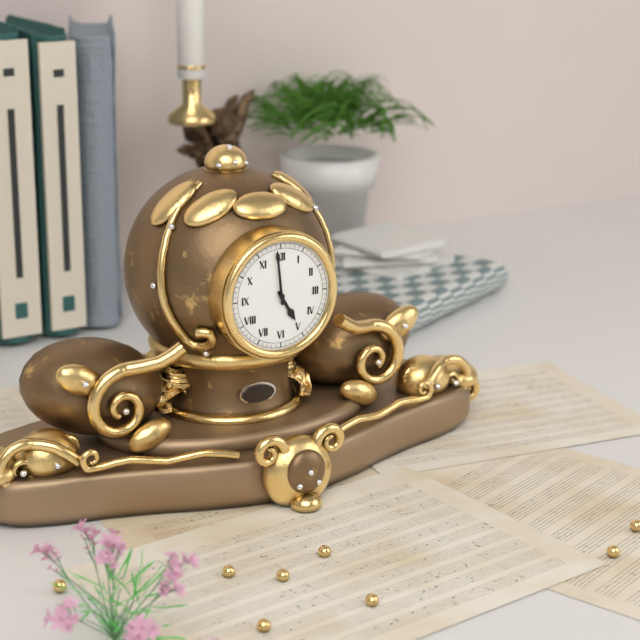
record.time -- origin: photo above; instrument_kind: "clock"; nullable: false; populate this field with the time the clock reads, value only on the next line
4:59
